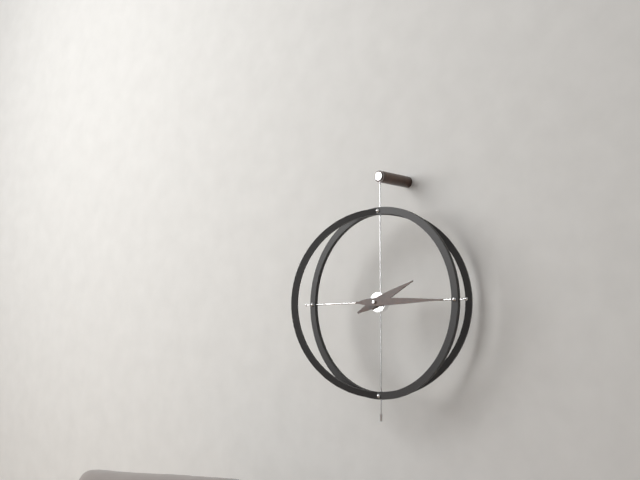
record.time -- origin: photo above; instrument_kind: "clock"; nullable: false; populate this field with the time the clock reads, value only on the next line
2:15
